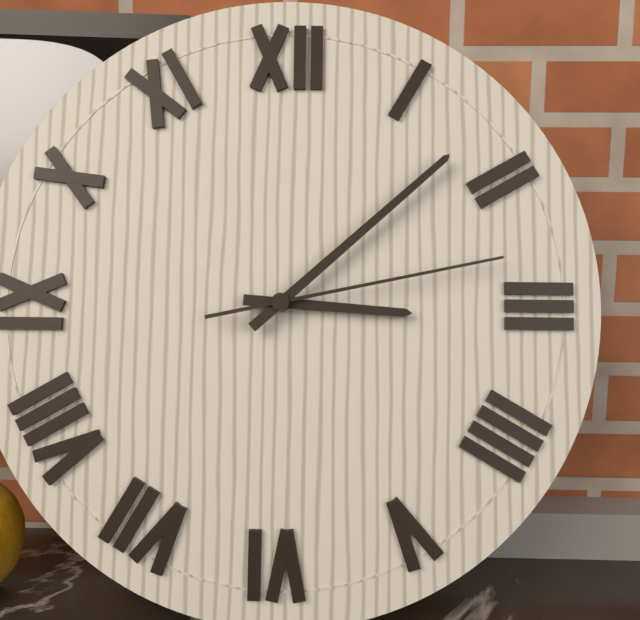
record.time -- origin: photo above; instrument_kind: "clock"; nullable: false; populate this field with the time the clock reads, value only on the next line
3:08:13
